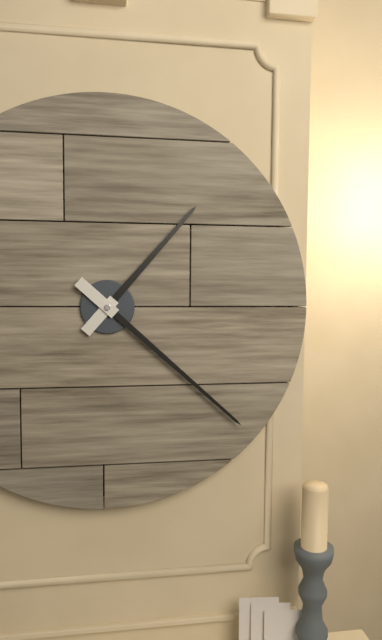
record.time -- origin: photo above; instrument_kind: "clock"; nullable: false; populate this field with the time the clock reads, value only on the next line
1:22
